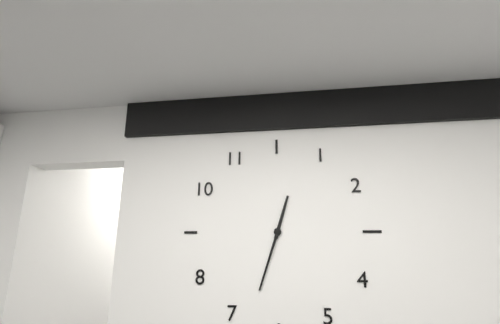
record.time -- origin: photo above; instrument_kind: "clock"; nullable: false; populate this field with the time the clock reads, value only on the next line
12:33
